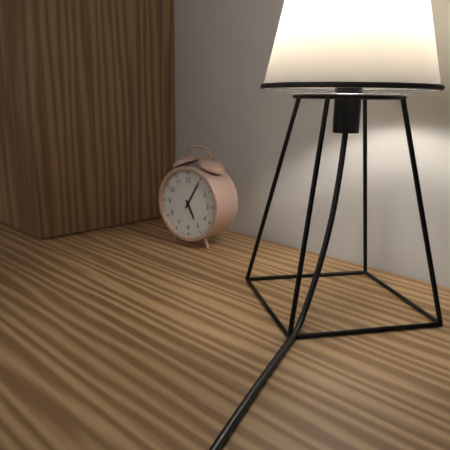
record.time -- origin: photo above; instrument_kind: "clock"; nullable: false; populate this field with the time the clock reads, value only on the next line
5:05
